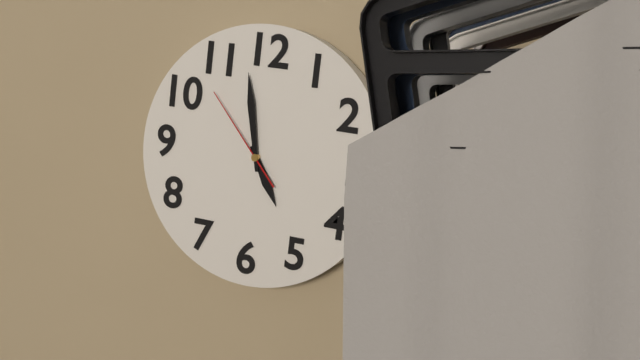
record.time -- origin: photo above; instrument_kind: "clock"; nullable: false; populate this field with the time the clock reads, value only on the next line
4:58:53
